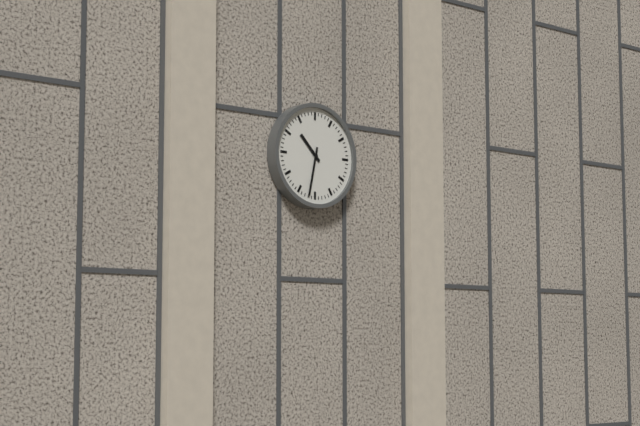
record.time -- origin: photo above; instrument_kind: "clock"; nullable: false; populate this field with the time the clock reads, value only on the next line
10:32
